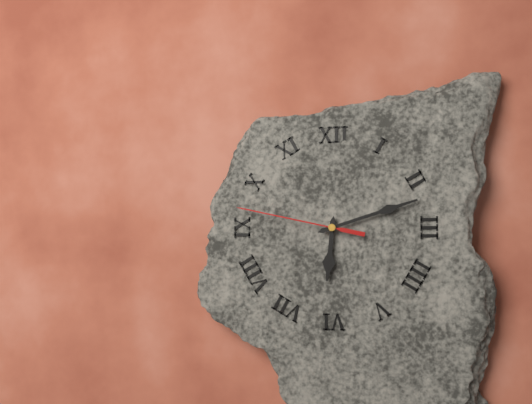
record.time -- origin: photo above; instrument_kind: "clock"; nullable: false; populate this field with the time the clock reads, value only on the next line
6:12:47
